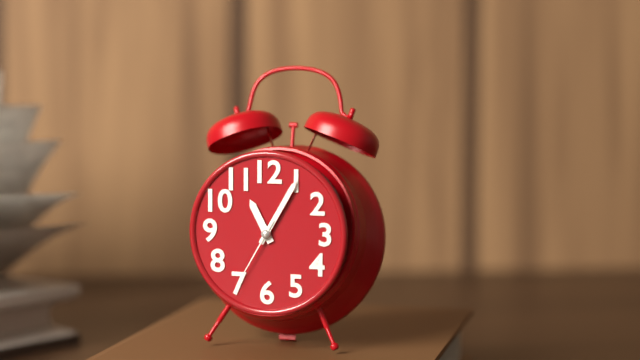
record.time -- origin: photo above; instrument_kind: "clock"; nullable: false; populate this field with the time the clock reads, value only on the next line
11:05:35
